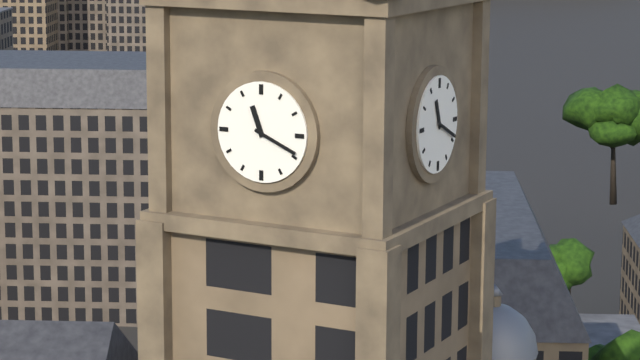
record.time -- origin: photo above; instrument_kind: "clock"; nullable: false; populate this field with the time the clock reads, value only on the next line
11:19
